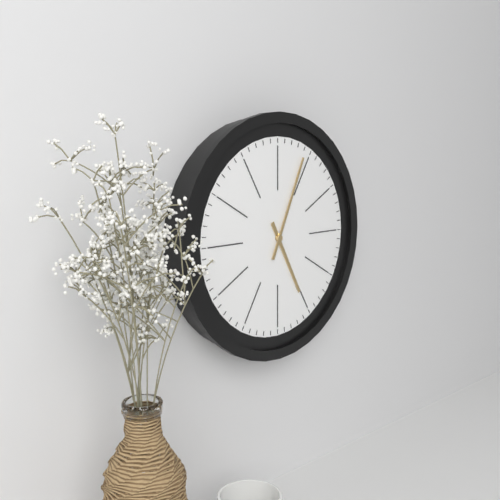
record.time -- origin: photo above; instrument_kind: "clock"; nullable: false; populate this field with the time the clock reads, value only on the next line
5:04
